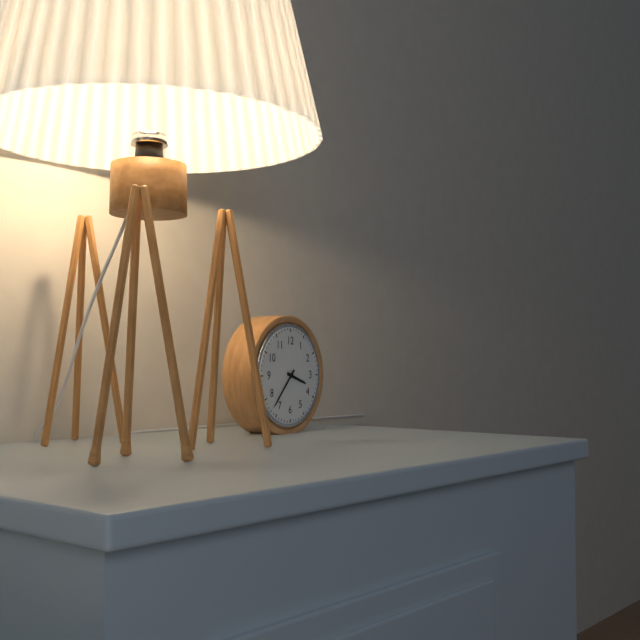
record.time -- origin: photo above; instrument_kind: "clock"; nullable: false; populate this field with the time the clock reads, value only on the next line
3:37
